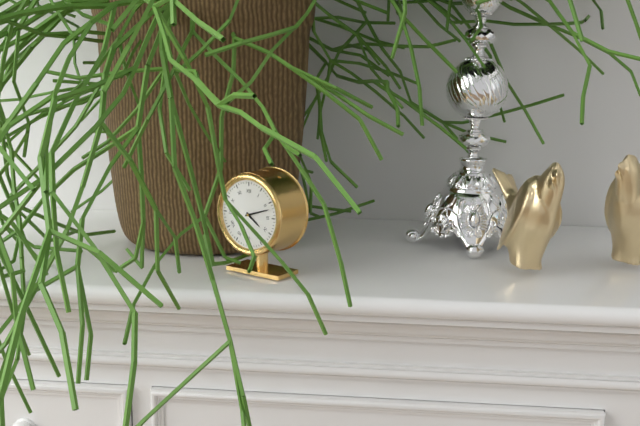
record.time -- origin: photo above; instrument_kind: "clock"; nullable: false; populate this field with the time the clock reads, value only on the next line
4:12
